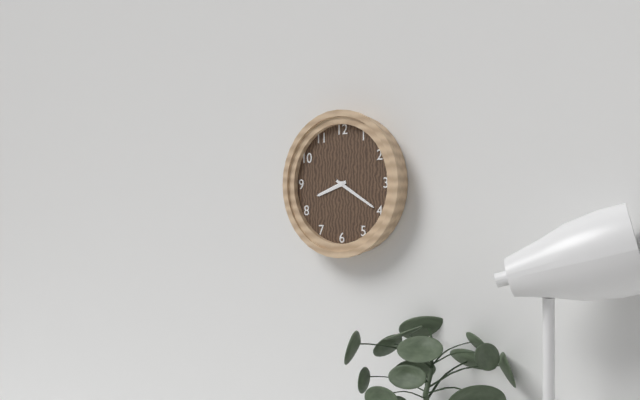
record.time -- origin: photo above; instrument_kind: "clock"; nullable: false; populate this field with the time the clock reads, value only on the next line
8:20
